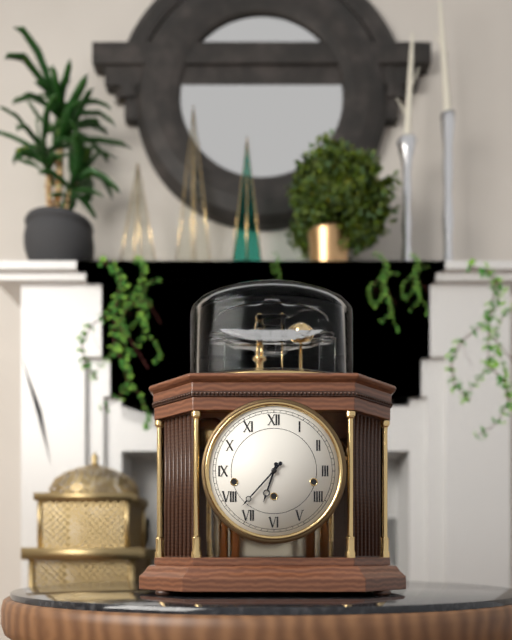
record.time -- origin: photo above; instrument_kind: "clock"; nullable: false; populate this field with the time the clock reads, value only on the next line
6:37
